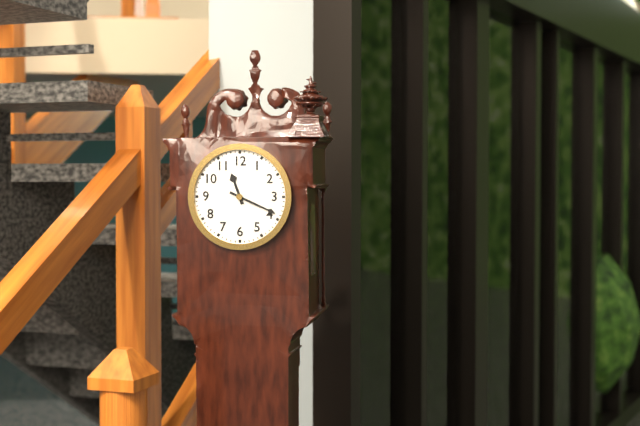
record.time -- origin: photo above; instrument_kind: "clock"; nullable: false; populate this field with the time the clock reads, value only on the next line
11:19
